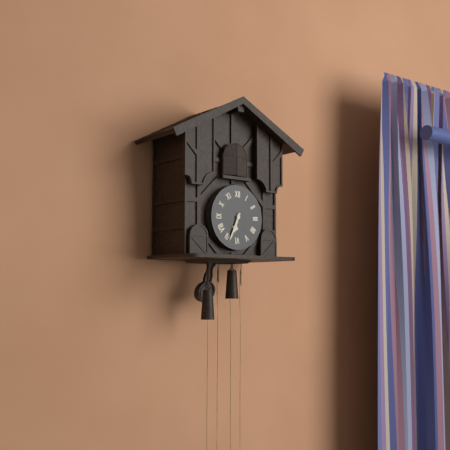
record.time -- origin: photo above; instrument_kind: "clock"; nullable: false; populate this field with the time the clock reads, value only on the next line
6:34
